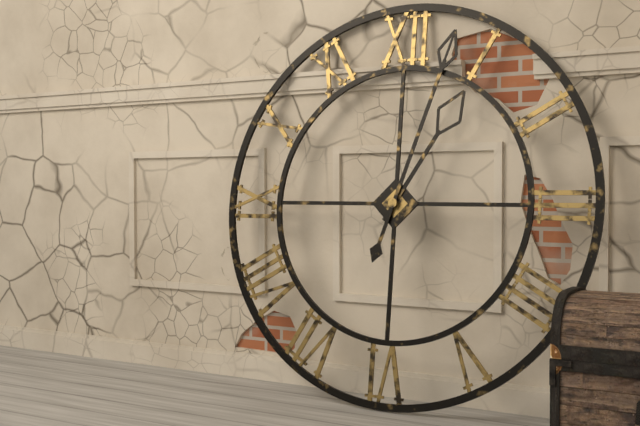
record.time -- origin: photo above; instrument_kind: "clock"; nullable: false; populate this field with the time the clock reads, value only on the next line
1:03
